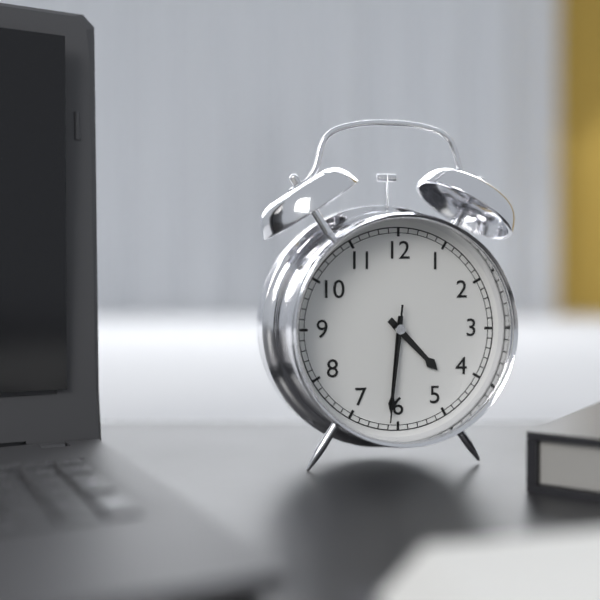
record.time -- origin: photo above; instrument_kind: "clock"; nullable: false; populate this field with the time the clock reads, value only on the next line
4:31:31
